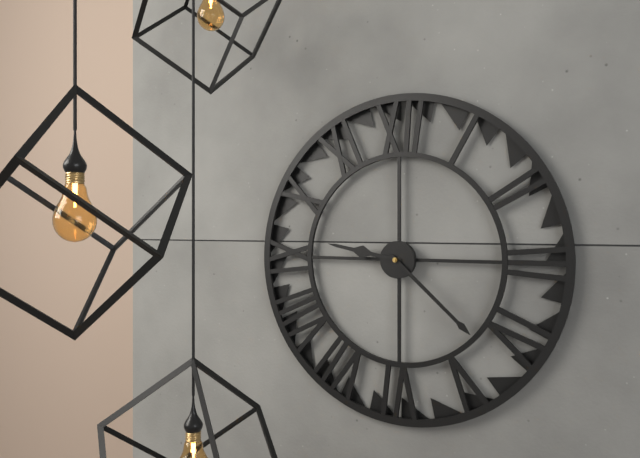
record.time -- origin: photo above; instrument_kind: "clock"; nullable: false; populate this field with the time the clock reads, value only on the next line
9:22
